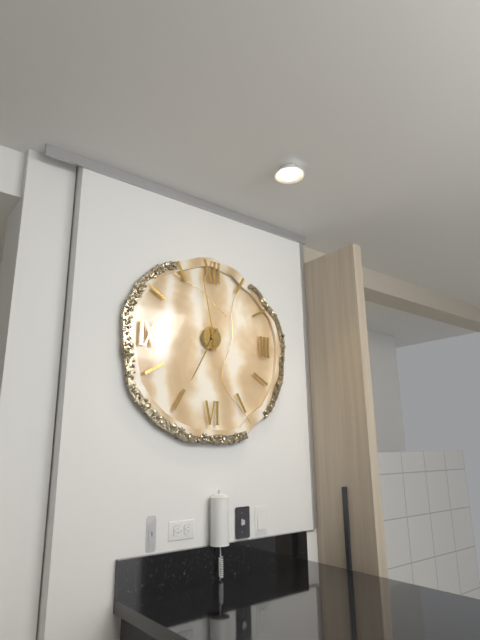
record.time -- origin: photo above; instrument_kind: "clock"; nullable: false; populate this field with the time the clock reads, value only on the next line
6:58
